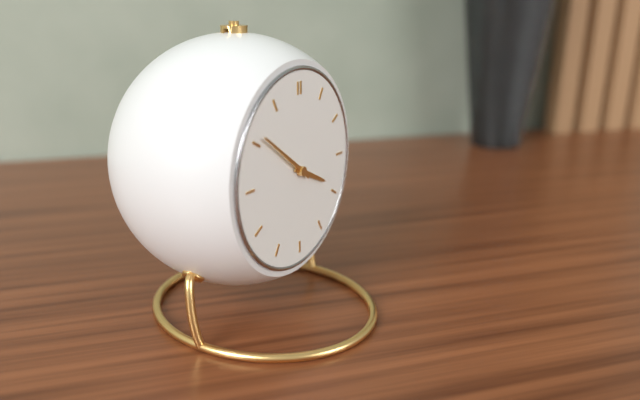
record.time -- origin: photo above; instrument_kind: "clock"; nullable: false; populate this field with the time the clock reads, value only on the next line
3:51
